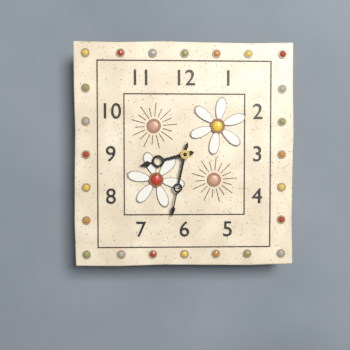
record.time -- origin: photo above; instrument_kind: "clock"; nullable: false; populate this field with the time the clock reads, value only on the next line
8:32
